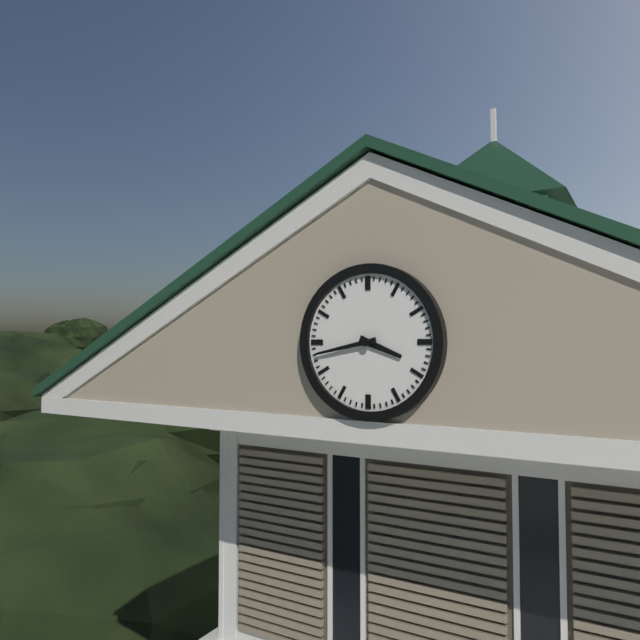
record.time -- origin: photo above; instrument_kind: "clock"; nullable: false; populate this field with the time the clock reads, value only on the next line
3:43
